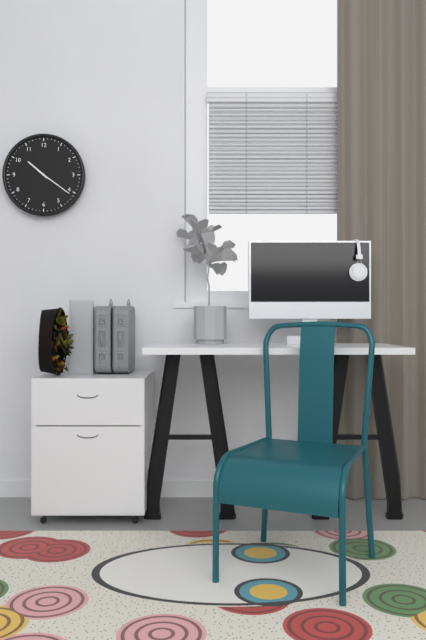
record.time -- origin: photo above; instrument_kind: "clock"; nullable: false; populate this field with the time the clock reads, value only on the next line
10:21
